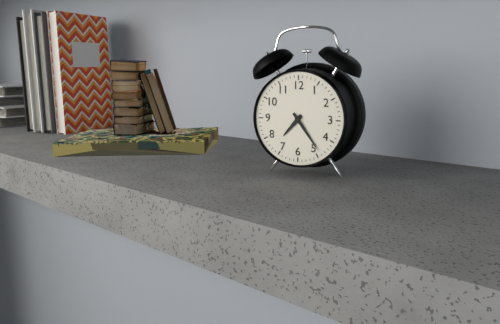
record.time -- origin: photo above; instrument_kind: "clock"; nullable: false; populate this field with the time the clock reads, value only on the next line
7:24
